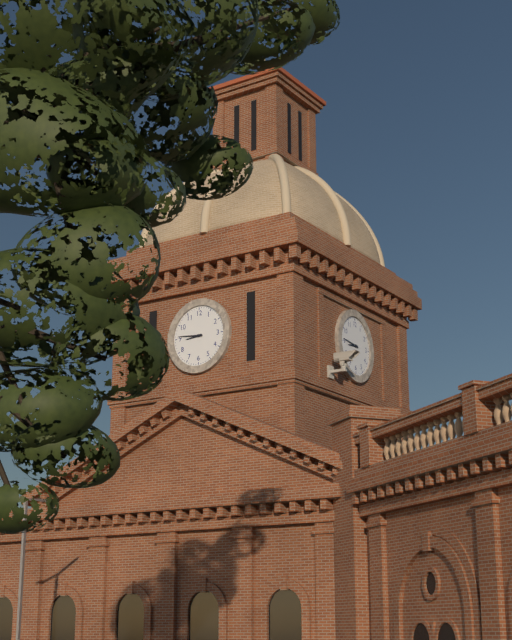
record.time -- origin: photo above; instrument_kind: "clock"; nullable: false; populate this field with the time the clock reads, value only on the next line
8:46
